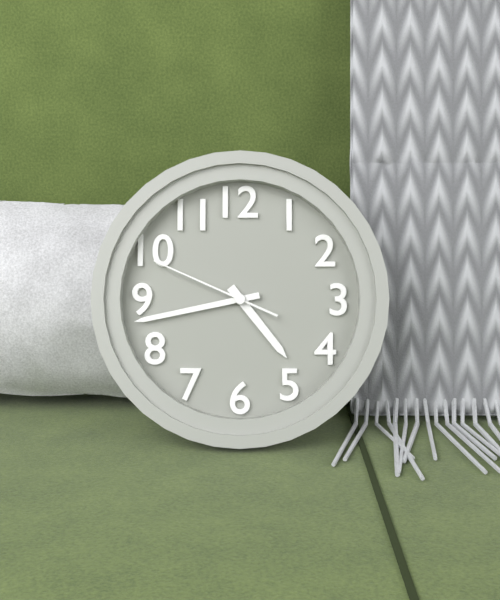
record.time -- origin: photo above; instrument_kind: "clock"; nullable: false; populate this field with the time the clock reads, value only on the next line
4:43:49
